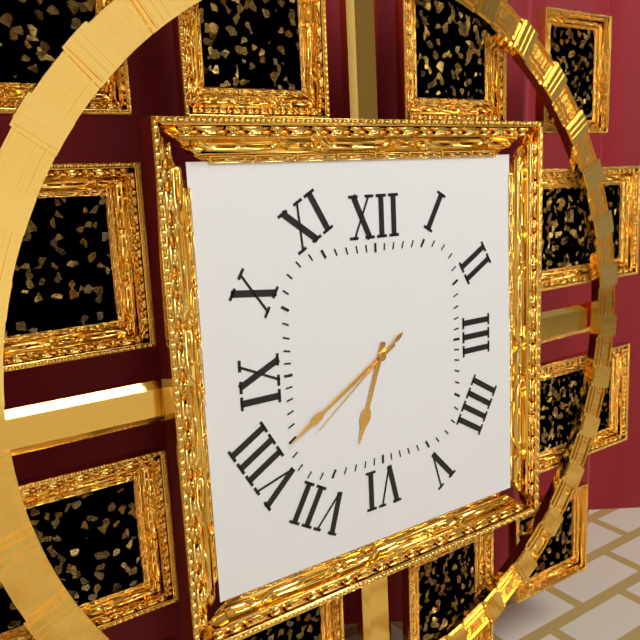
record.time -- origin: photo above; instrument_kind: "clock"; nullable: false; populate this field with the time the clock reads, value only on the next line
6:40:39
